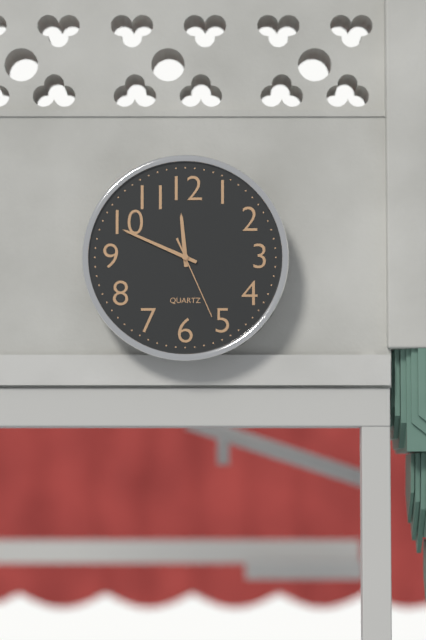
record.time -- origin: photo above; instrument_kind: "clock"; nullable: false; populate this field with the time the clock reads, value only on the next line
11:49:26
